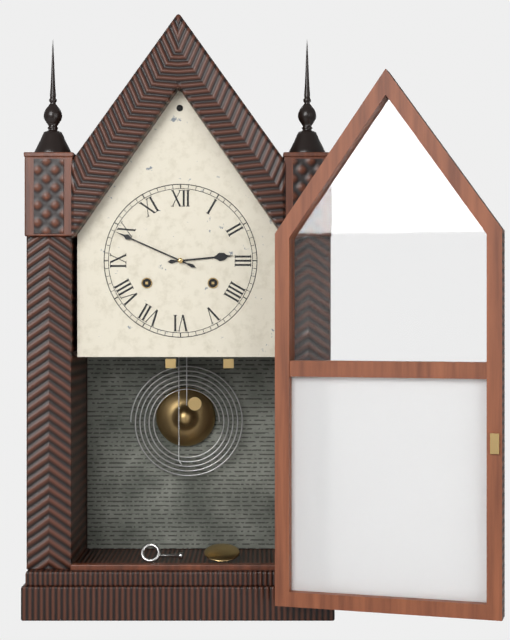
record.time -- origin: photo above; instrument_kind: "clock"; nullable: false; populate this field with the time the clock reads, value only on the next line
2:49
